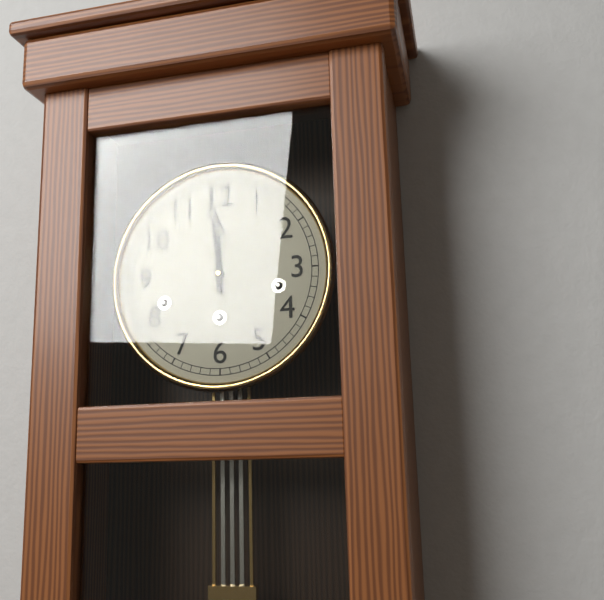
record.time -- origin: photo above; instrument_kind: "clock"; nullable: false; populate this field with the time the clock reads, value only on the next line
11:59
